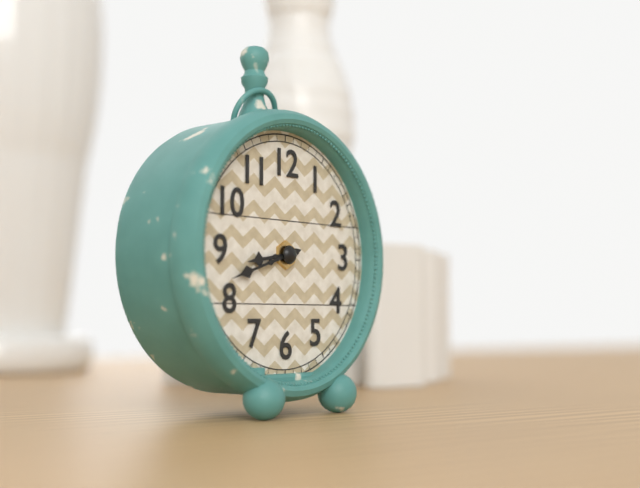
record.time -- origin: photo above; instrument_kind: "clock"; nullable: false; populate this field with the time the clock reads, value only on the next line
8:42
